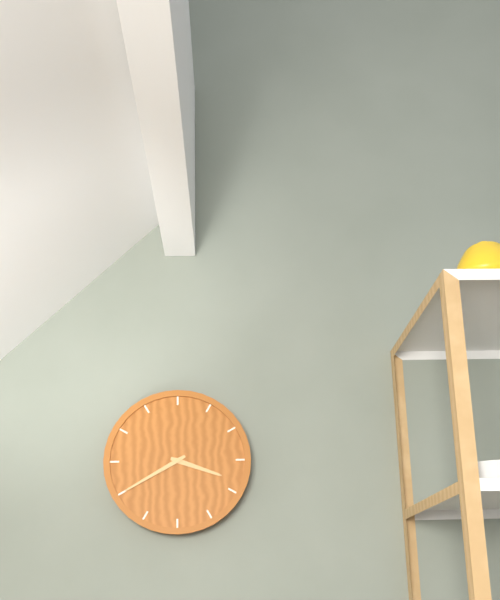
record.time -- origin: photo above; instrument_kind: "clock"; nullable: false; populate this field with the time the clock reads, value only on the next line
3:40
